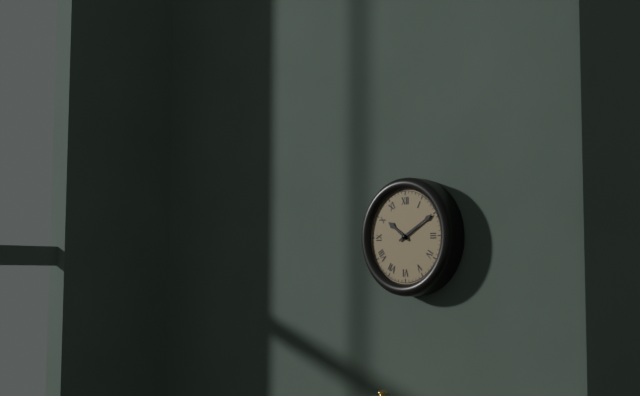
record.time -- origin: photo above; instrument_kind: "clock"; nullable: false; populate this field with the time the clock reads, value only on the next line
10:10
